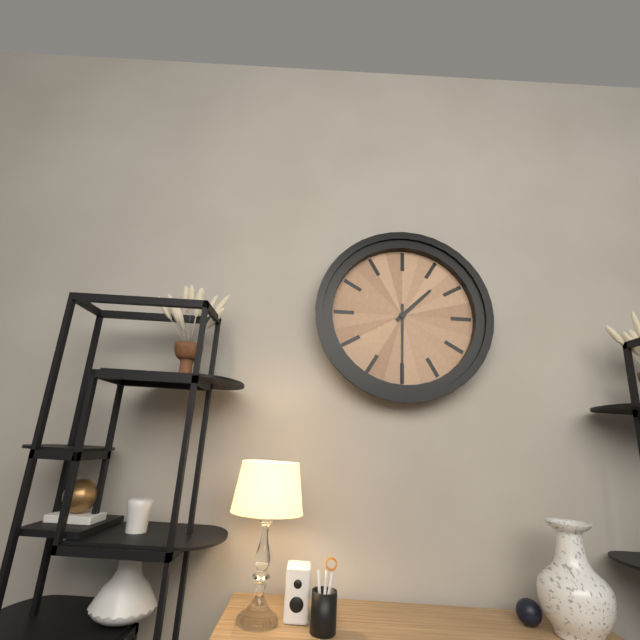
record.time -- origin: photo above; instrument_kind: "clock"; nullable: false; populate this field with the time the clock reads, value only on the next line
1:30
